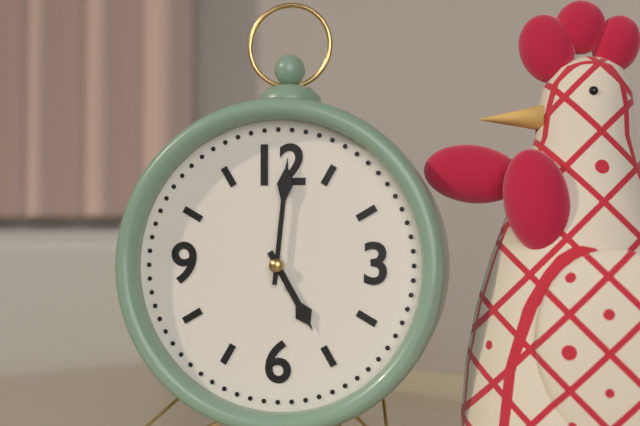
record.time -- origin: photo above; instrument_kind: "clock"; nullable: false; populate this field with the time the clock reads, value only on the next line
5:01
